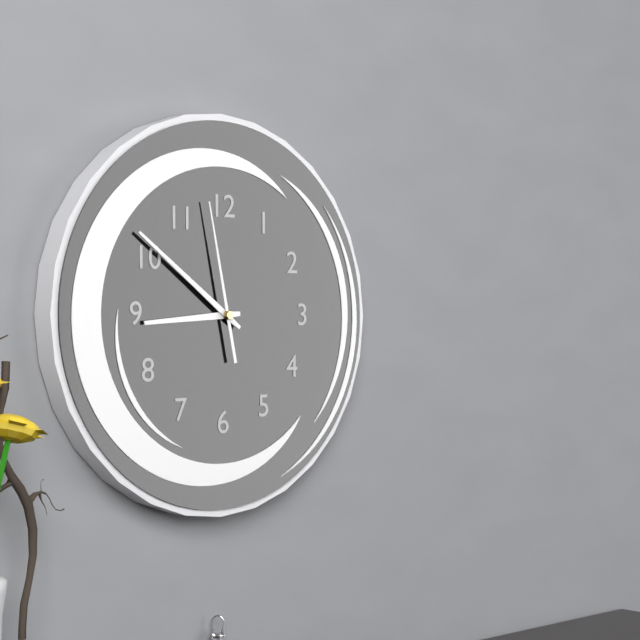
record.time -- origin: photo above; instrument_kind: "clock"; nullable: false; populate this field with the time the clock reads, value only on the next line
8:51:58
